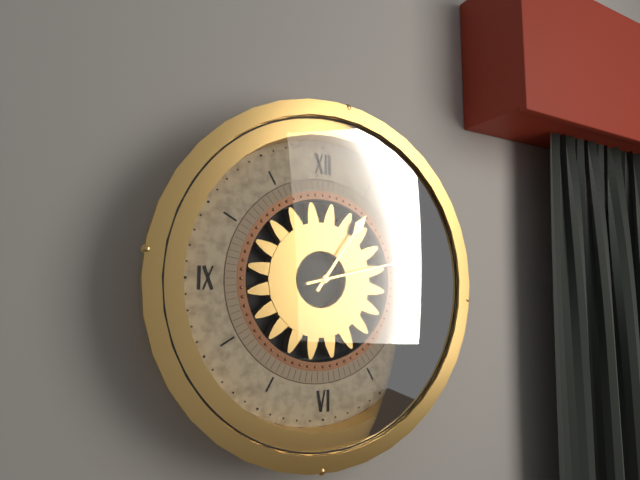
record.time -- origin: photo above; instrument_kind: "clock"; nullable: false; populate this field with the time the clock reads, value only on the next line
1:13
